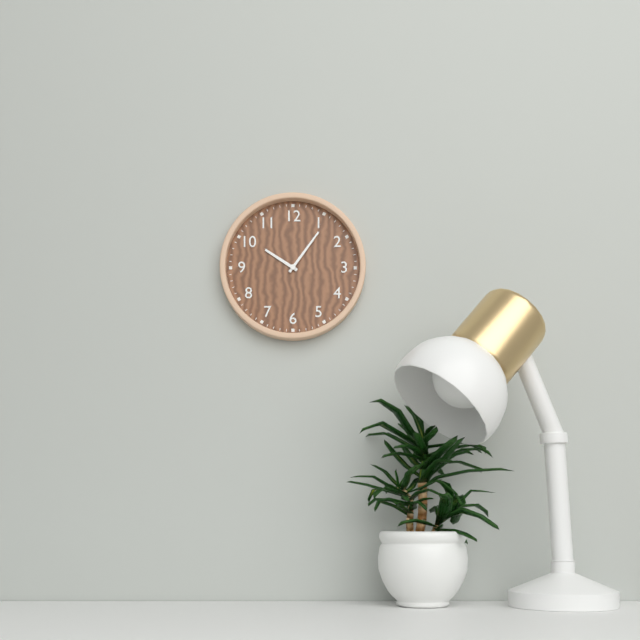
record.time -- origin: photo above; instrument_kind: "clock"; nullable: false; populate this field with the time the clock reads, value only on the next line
10:06
